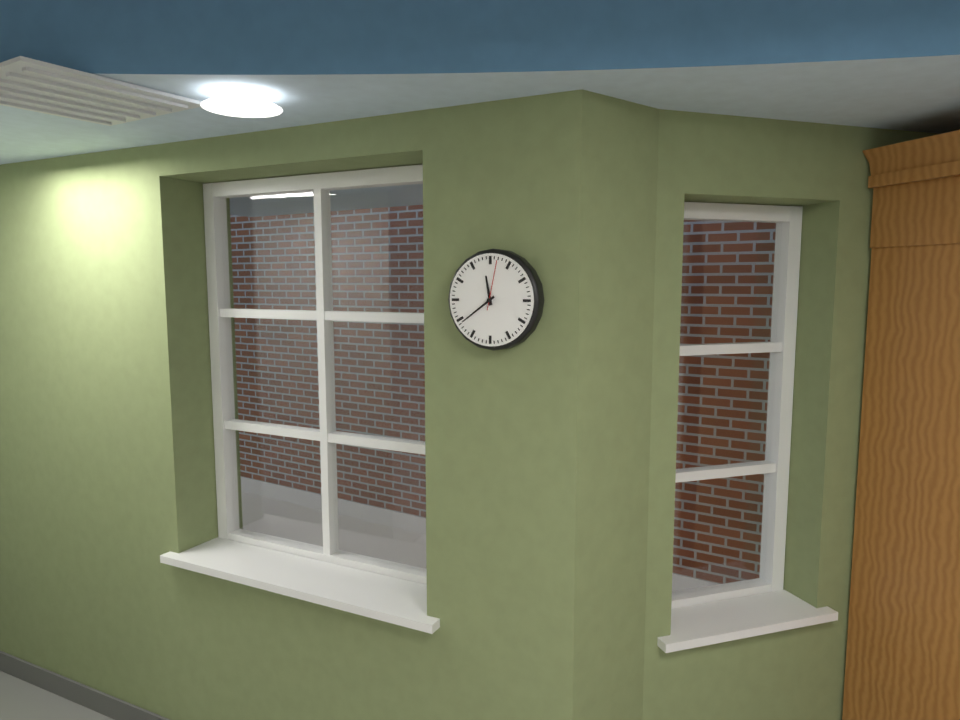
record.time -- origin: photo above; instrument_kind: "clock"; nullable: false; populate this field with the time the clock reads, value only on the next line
11:39:02
